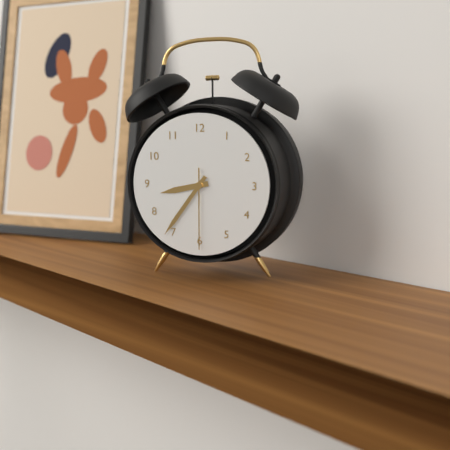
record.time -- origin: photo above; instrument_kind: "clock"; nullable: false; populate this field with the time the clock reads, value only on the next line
8:36:30
